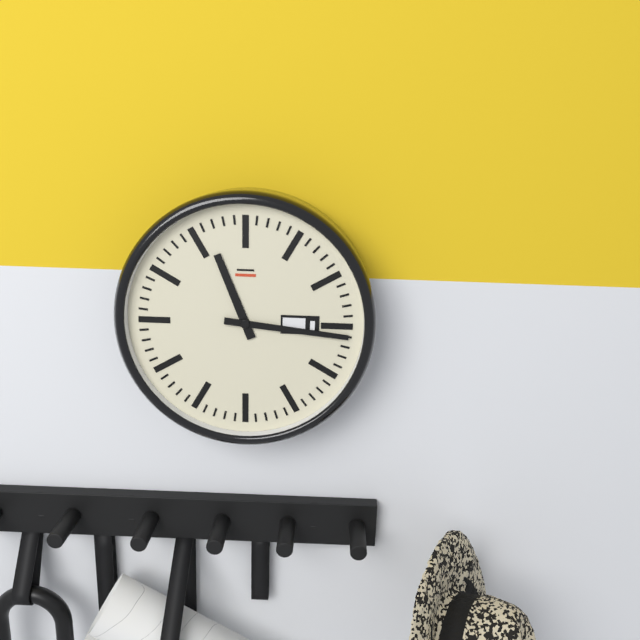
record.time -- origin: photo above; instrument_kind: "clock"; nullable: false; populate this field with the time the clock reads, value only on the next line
11:16
